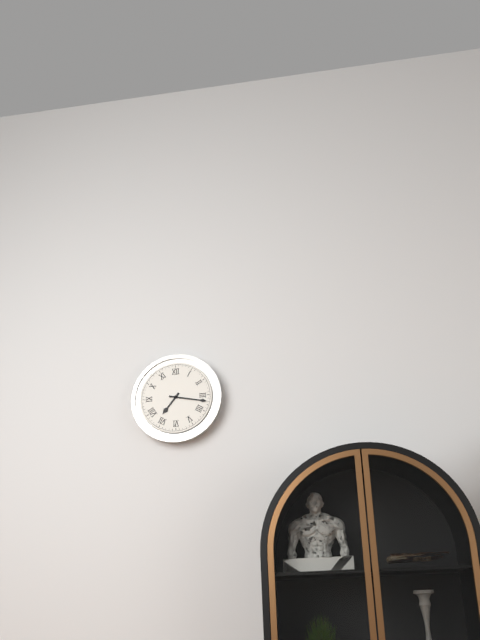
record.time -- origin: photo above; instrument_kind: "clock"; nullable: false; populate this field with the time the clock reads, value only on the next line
7:17
